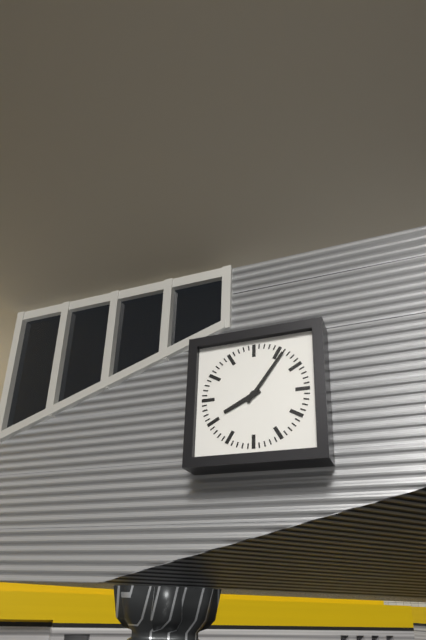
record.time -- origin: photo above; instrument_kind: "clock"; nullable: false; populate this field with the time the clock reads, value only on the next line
8:06
